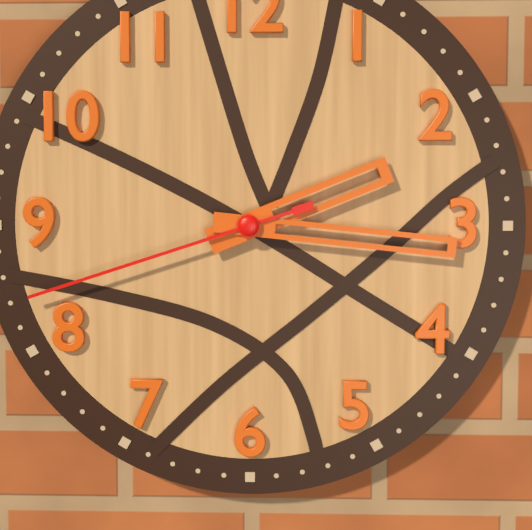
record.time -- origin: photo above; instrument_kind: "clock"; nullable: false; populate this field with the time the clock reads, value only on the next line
2:16:42
